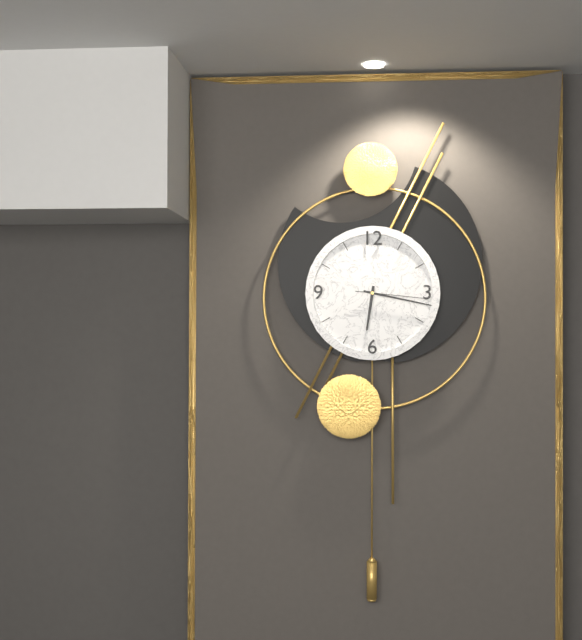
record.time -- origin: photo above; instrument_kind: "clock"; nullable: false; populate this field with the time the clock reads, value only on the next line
6:17:16
